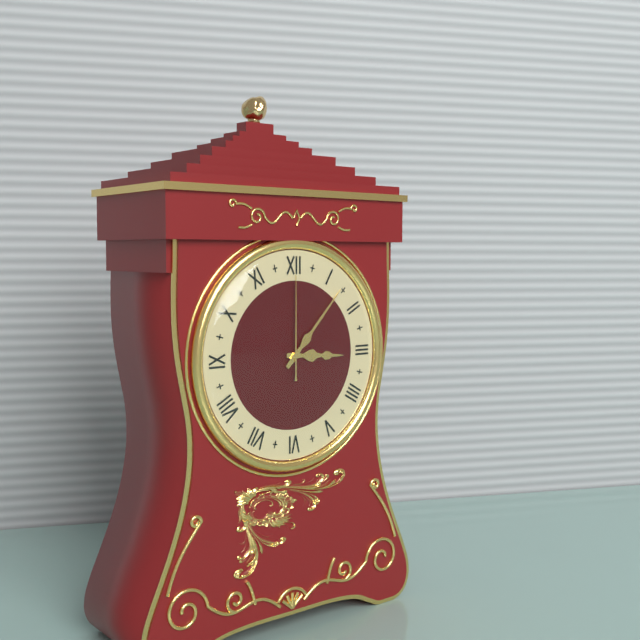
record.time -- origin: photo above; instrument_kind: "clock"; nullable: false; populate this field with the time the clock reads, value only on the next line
3:07:00
